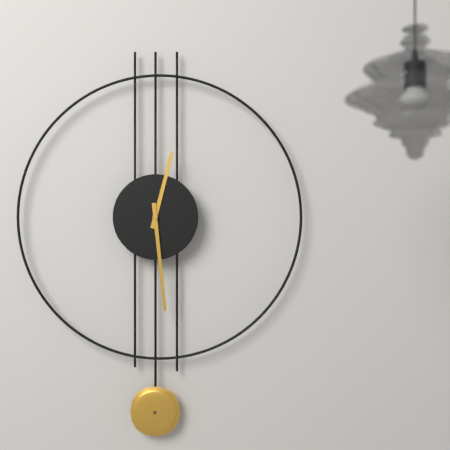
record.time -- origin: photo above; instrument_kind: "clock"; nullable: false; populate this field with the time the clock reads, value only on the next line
12:29
